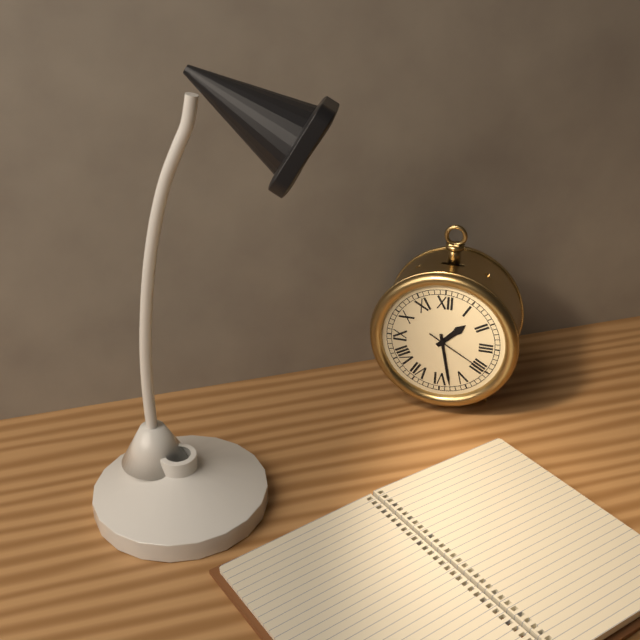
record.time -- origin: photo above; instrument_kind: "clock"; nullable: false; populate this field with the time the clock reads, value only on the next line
1:28:20
